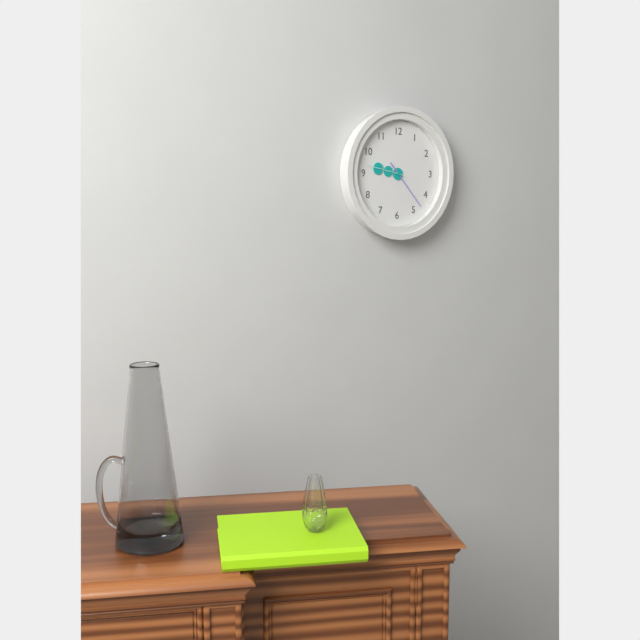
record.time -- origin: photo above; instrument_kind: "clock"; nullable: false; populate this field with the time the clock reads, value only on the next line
9:23
